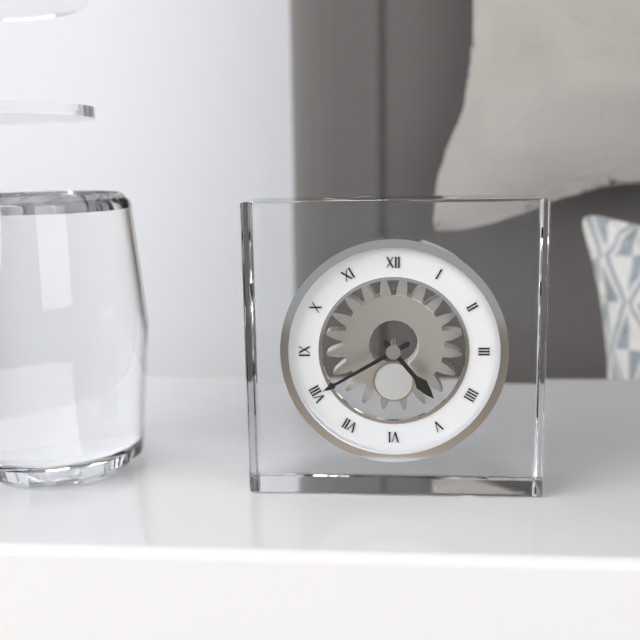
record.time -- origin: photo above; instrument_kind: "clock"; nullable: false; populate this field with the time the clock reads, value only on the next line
4:40
